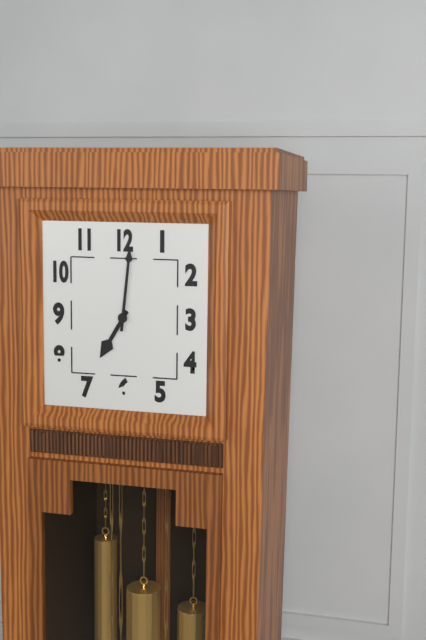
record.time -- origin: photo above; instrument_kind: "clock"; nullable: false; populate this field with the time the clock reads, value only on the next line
7:01
